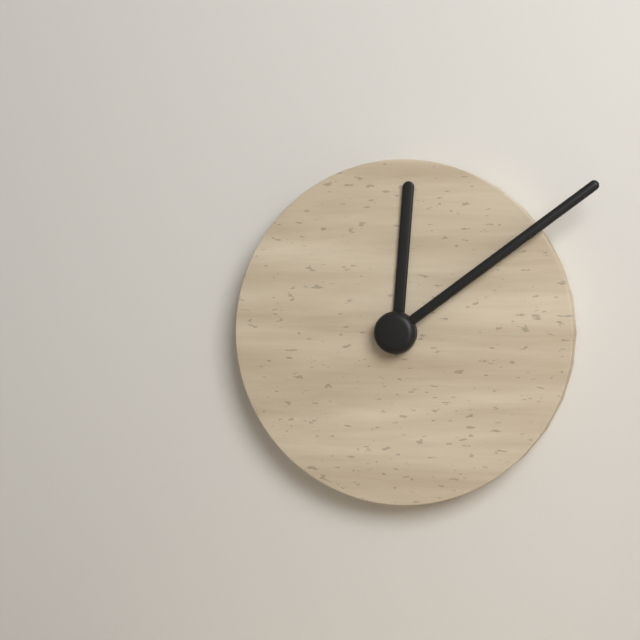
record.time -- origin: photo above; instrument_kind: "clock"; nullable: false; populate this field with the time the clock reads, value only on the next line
12:09
